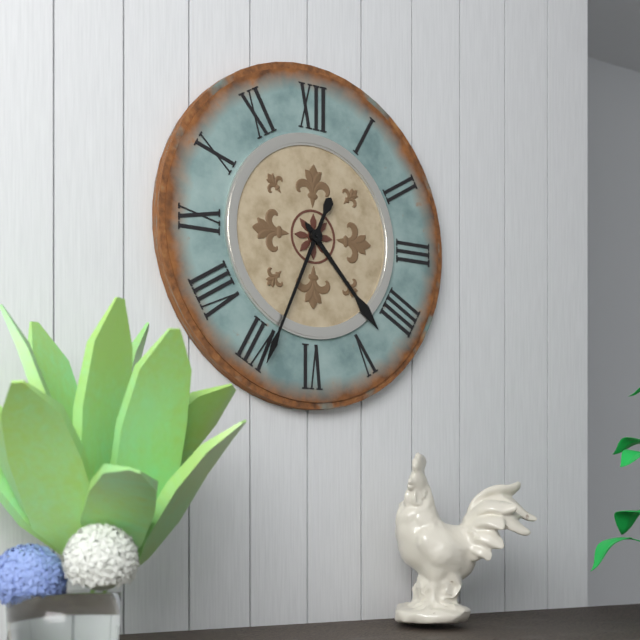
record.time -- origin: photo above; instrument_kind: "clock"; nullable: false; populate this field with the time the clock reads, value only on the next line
4:34
